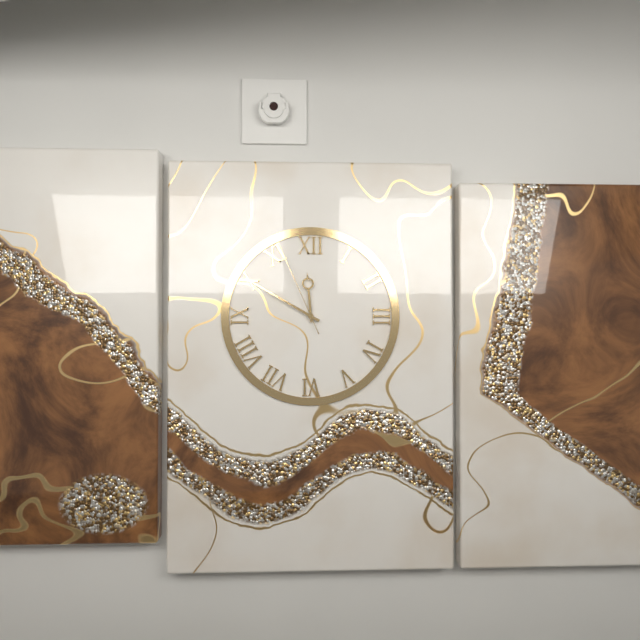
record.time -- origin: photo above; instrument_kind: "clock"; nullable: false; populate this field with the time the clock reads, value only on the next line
11:50:56
